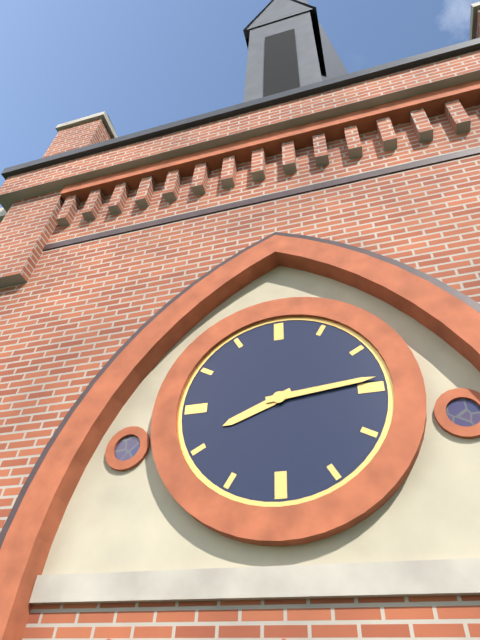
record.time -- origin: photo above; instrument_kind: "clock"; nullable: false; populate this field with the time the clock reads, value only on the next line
8:14
